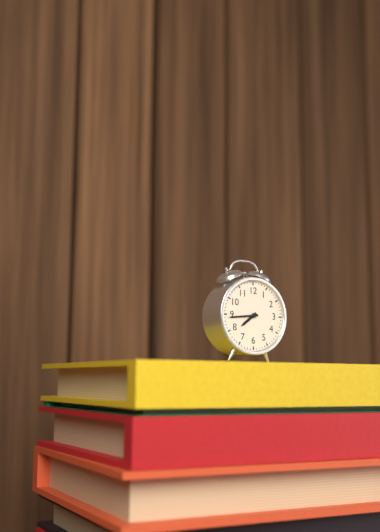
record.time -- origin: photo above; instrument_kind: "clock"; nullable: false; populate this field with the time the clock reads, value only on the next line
7:44
